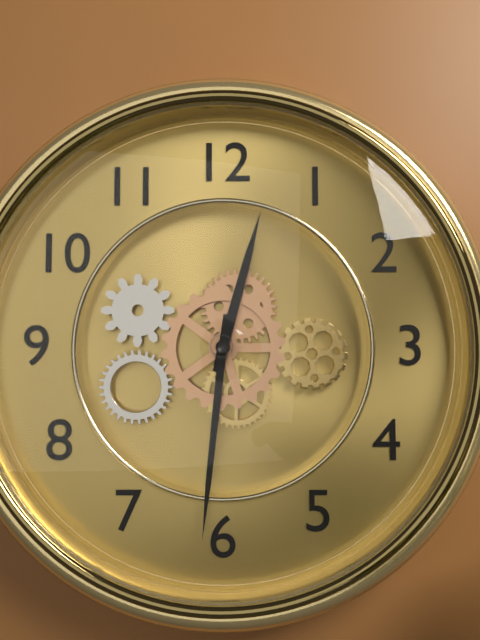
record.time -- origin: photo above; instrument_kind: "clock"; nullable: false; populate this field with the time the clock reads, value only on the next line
12:31
